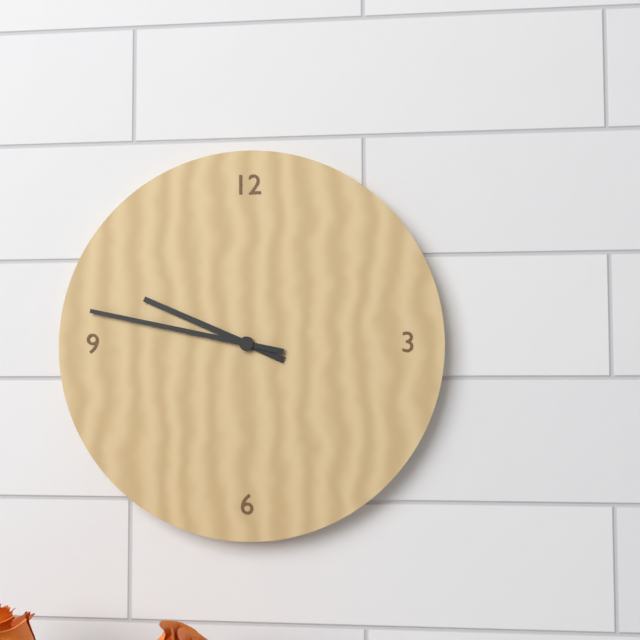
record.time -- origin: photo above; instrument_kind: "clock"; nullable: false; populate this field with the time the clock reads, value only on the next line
9:47
